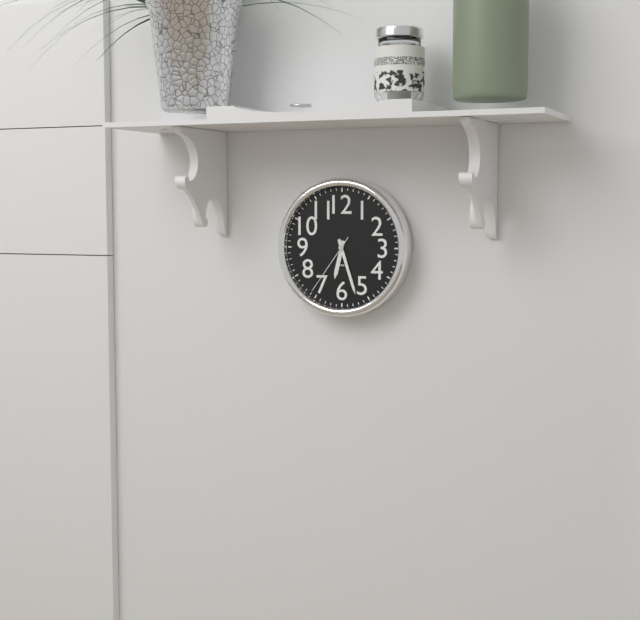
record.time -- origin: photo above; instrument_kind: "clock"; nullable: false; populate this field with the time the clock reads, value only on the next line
6:27:36
